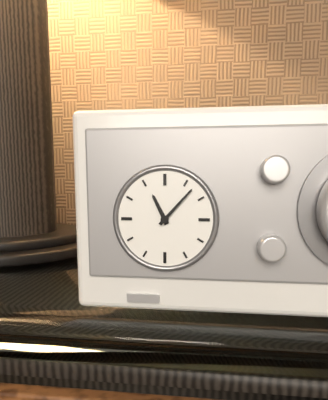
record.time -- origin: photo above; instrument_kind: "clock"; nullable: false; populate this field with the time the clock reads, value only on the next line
11:07
